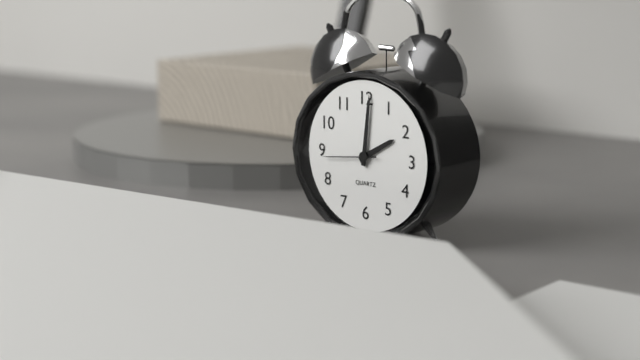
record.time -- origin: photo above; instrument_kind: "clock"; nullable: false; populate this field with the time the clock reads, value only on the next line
2:01:44
